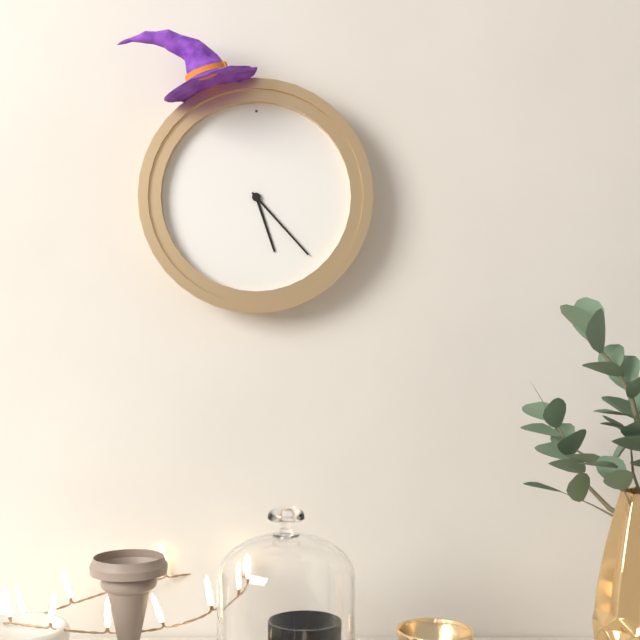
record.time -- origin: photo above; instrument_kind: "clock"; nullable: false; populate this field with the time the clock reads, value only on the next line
5:23
